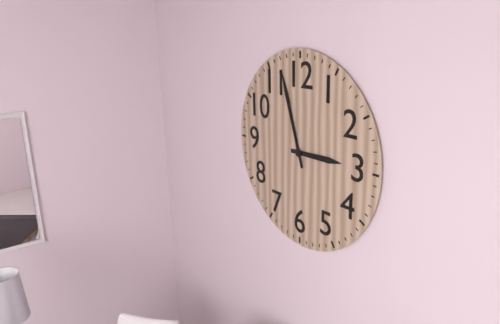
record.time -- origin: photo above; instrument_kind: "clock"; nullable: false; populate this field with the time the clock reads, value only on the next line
2:57
